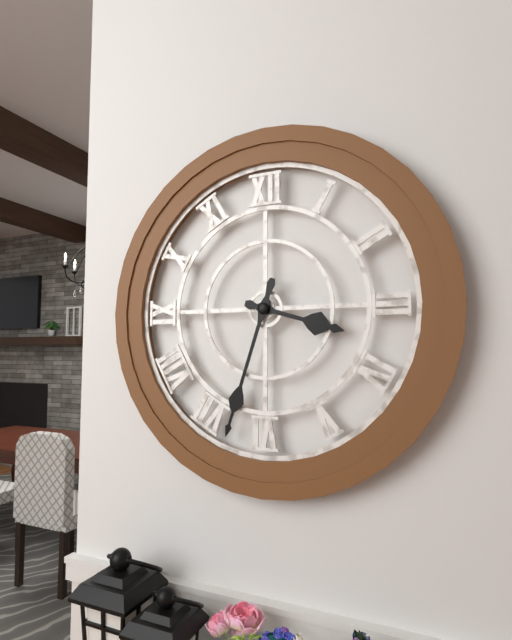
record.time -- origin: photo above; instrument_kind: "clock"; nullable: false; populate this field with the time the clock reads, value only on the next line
3:33
